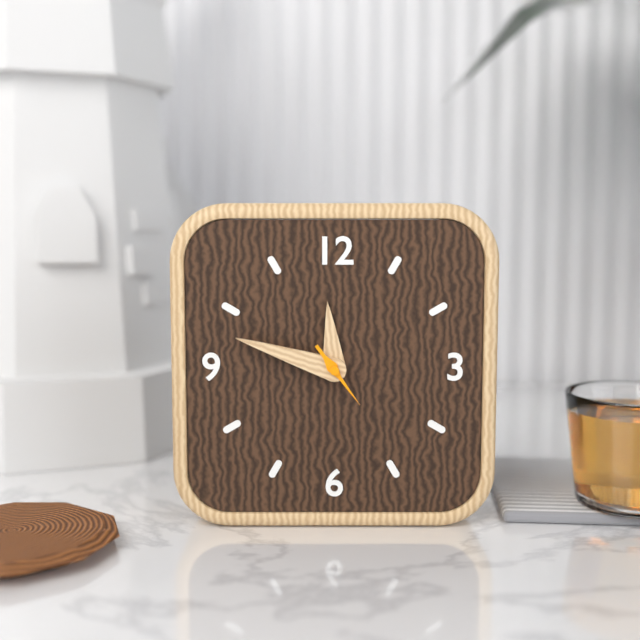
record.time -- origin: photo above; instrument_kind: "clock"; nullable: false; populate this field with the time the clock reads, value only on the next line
11:48:24
